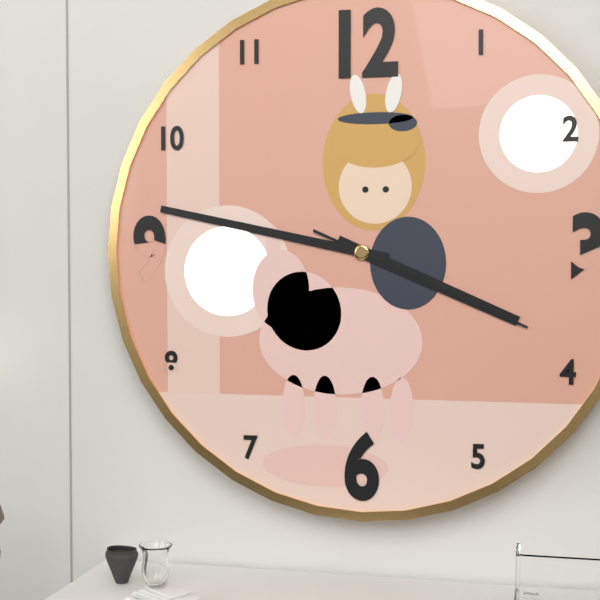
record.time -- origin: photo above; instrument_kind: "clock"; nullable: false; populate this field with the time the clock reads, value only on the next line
3:47:19
